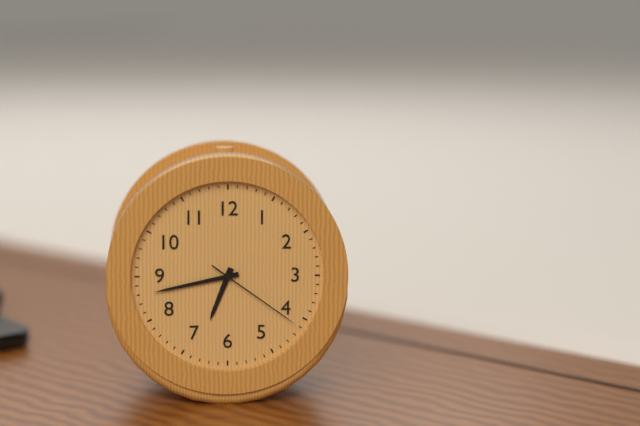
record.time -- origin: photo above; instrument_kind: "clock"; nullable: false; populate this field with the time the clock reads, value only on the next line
6:43:21
